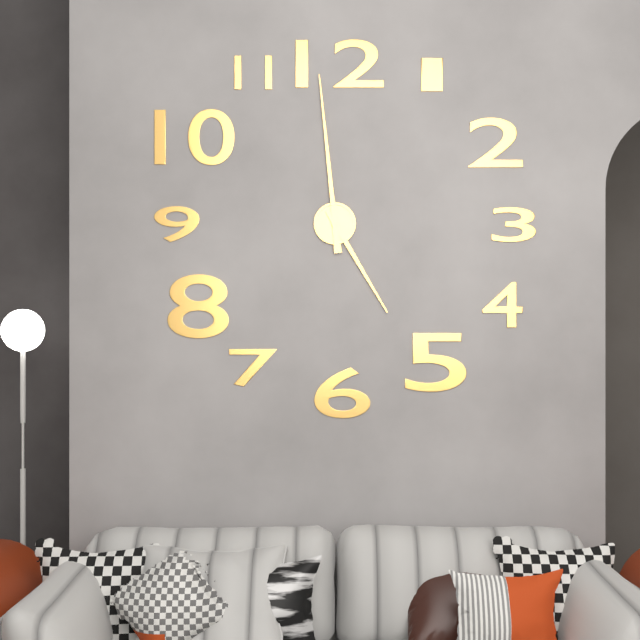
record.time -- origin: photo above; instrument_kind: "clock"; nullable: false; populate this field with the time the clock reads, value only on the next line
4:59
